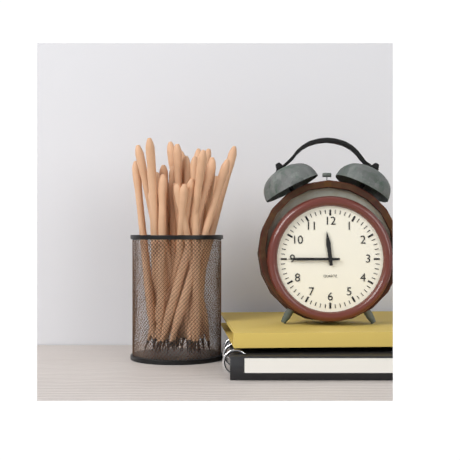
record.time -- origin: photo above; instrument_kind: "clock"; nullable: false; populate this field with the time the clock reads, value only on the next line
11:45
